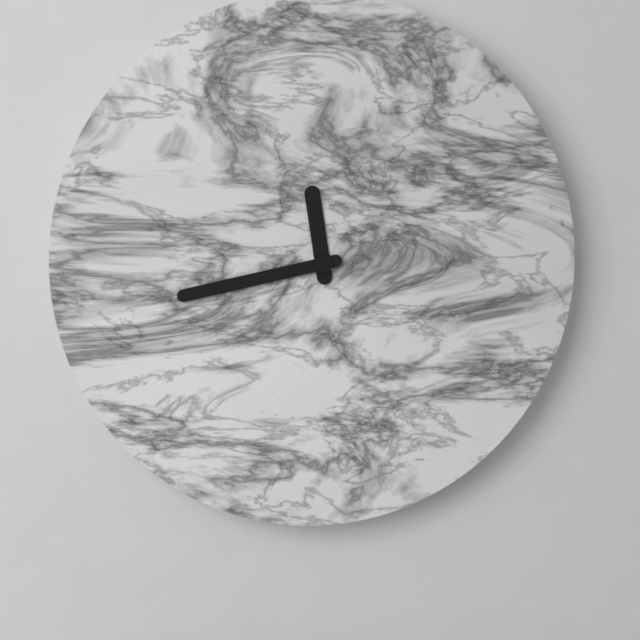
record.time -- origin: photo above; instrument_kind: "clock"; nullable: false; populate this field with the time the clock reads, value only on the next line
11:43
